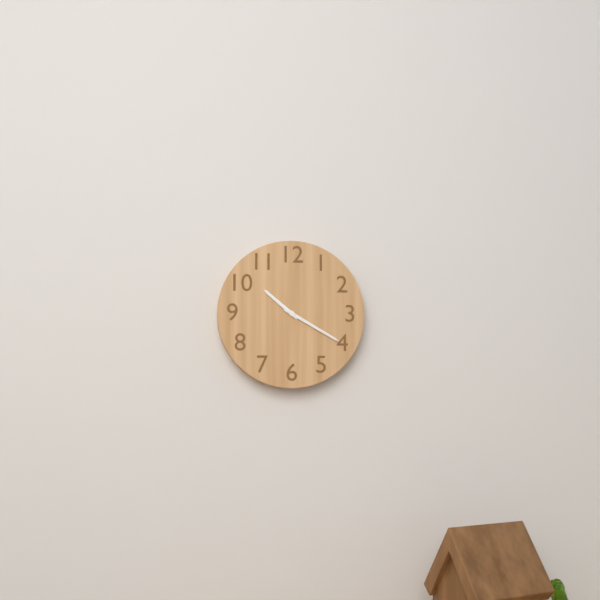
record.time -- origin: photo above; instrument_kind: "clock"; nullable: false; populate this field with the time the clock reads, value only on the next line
10:20
